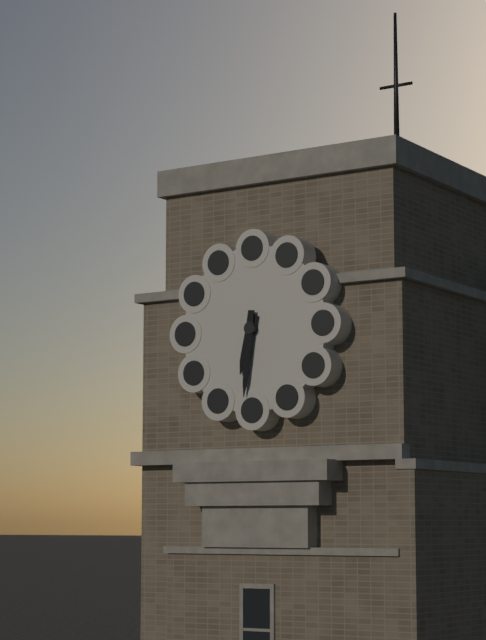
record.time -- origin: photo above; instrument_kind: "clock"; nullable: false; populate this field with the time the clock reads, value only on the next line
6:31
